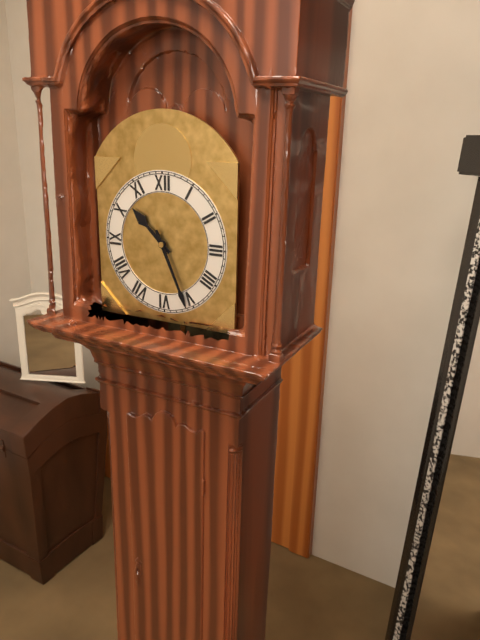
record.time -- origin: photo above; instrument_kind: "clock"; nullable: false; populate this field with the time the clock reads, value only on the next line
10:26
